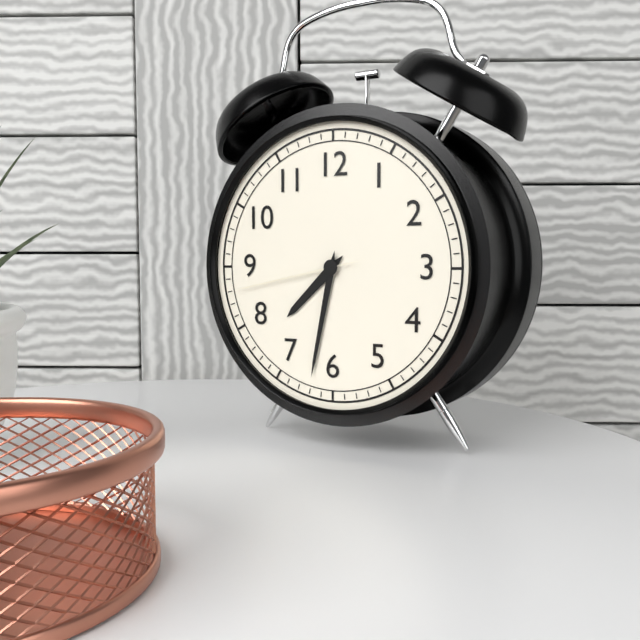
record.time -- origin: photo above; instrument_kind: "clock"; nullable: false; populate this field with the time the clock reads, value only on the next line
7:32:43
